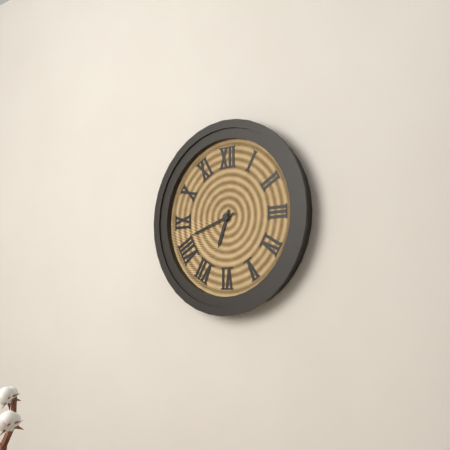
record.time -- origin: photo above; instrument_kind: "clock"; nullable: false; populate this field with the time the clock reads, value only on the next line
6:42
